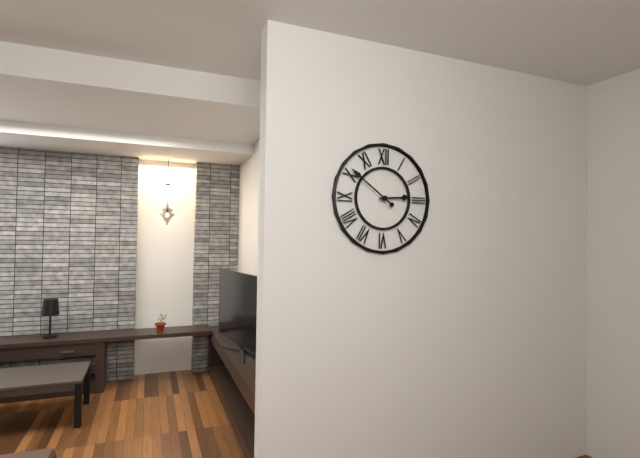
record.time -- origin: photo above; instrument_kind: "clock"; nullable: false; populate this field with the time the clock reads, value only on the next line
2:51
